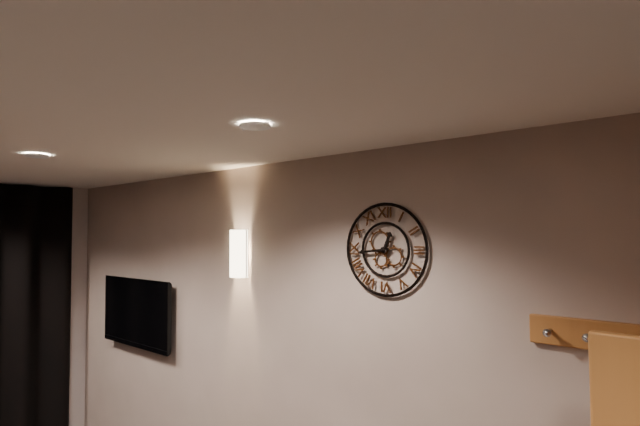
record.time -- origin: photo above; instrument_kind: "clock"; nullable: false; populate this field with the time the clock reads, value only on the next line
12:44
